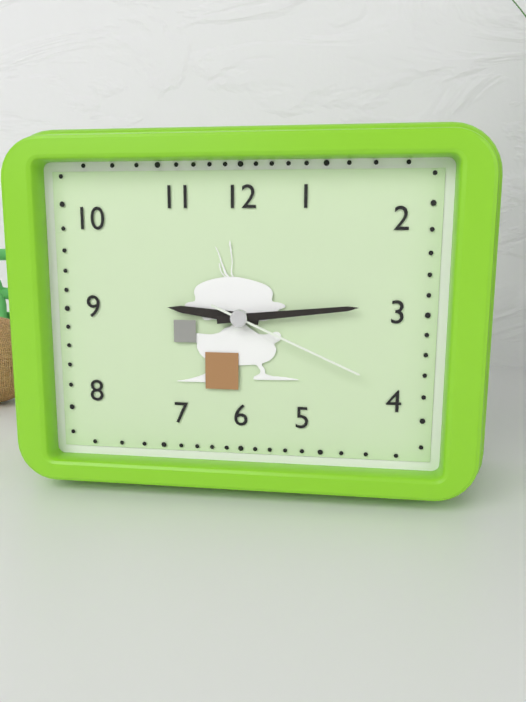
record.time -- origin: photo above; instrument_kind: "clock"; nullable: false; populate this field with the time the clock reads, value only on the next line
9:14:19
